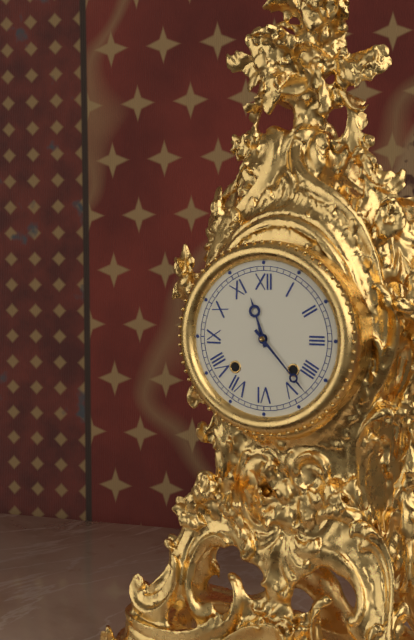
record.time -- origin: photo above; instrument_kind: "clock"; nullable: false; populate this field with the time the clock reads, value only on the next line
11:23
